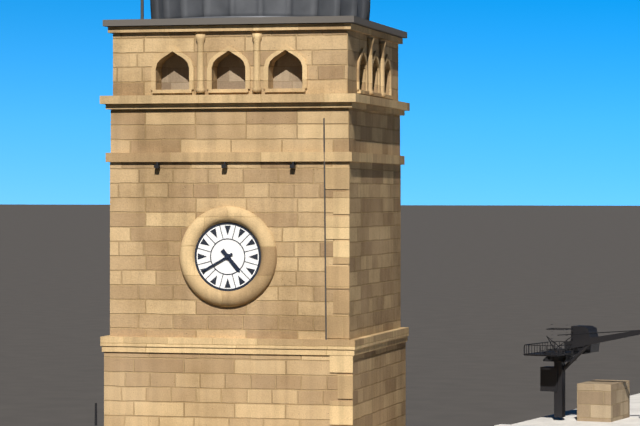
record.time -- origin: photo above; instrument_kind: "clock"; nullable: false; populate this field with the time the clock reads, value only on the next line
4:40
